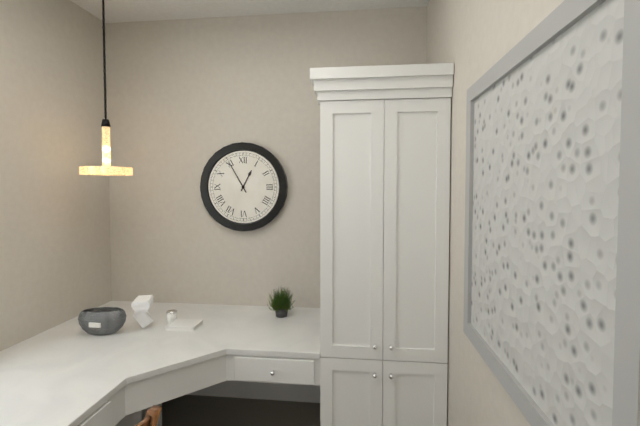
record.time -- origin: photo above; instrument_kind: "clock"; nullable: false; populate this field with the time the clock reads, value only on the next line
12:55
